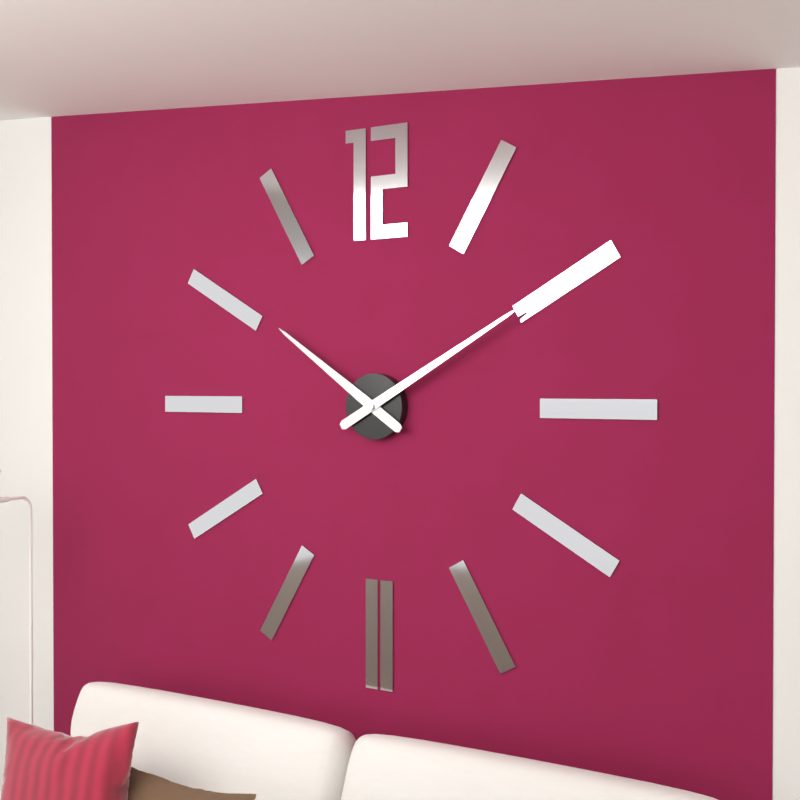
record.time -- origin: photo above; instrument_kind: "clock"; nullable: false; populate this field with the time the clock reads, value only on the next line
10:10
